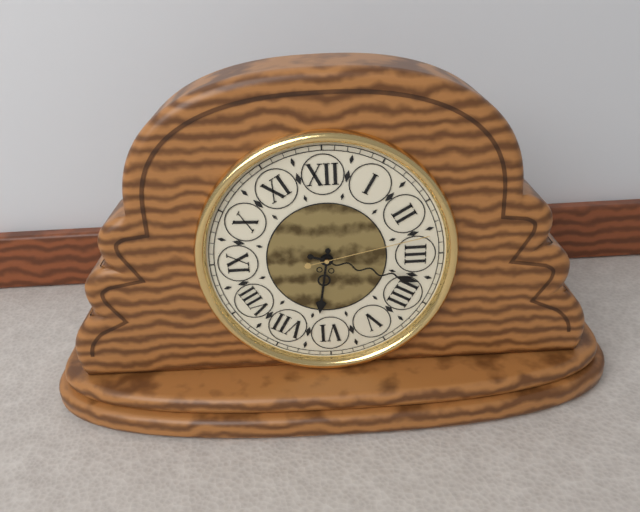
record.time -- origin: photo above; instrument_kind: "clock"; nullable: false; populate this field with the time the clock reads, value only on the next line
6:18:13
